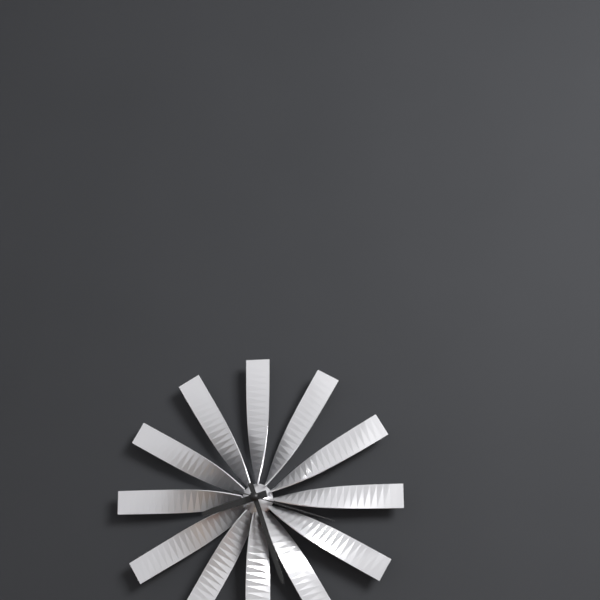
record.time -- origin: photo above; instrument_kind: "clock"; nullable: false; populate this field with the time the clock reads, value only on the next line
8:27:18
